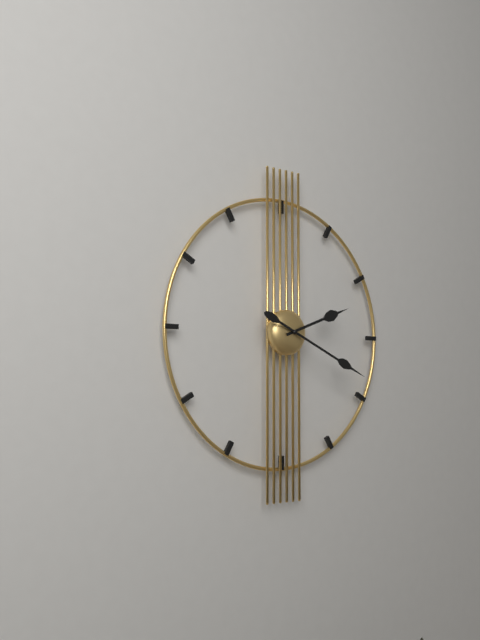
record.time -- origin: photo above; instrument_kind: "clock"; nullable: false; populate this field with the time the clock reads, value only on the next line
2:19
